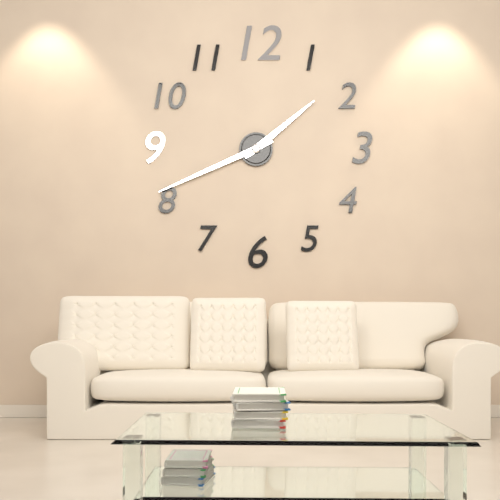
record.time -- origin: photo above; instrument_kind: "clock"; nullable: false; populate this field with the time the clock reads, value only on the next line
1:41
